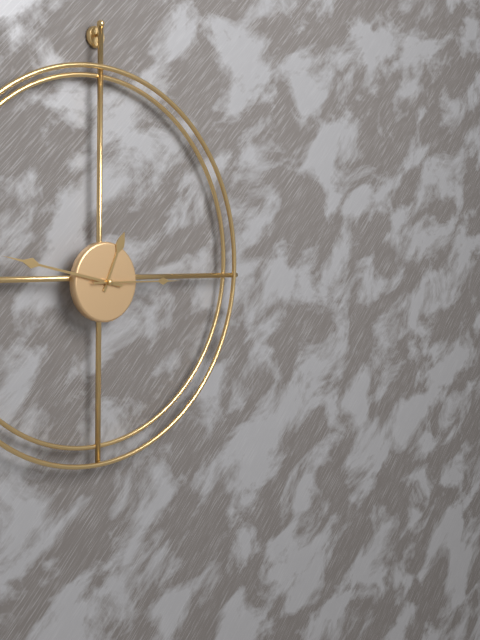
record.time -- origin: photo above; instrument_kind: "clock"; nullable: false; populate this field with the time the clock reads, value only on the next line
12:47:15
